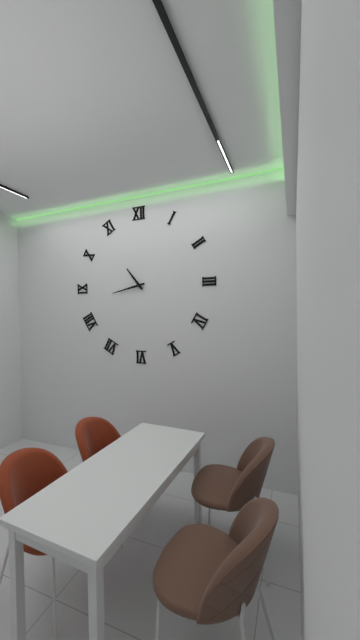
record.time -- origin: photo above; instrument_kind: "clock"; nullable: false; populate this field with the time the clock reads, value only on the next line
10:43
